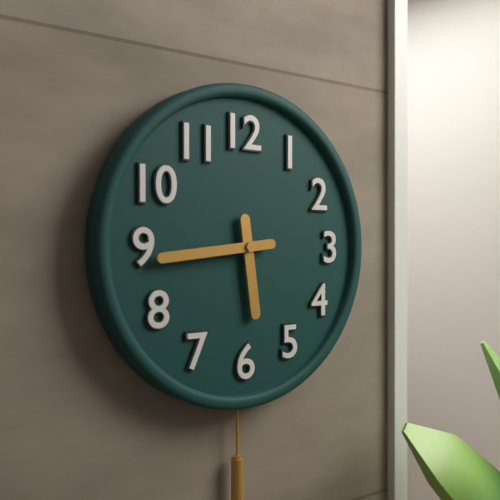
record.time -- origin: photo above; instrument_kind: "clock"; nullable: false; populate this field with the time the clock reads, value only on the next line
5:44
